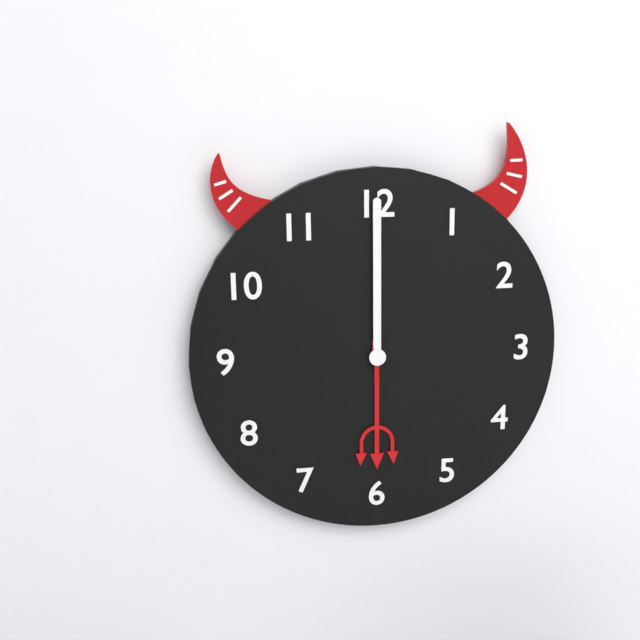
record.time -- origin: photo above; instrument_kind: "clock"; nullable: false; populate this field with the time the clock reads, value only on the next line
6:00
